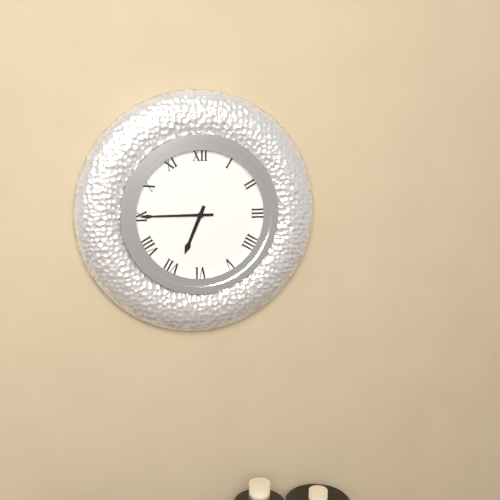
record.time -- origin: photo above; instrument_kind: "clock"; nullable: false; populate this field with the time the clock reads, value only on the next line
6:45
